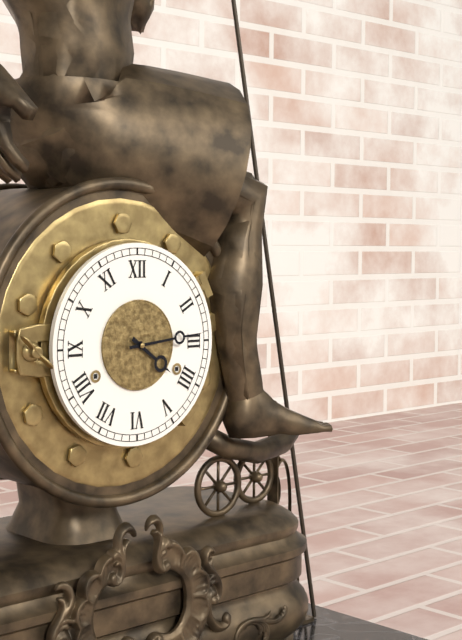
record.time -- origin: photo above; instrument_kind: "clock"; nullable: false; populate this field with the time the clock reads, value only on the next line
4:14
